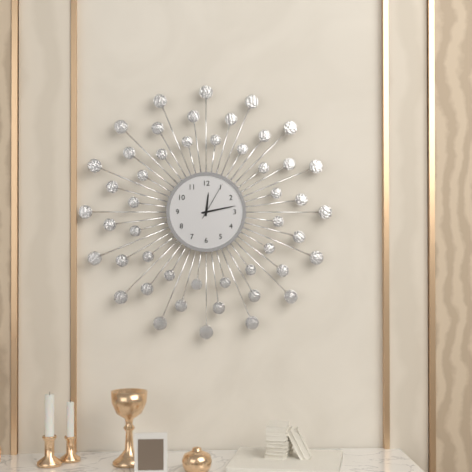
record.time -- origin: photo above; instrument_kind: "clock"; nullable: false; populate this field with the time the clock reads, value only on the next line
12:13
